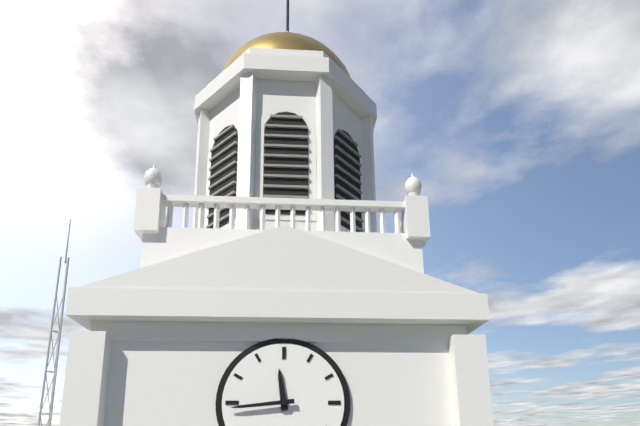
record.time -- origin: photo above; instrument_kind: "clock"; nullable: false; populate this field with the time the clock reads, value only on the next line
11:44
